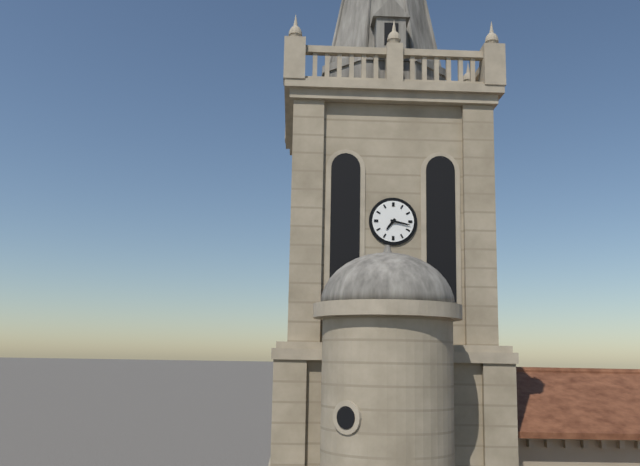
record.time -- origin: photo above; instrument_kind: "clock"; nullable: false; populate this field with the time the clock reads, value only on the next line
7:17
